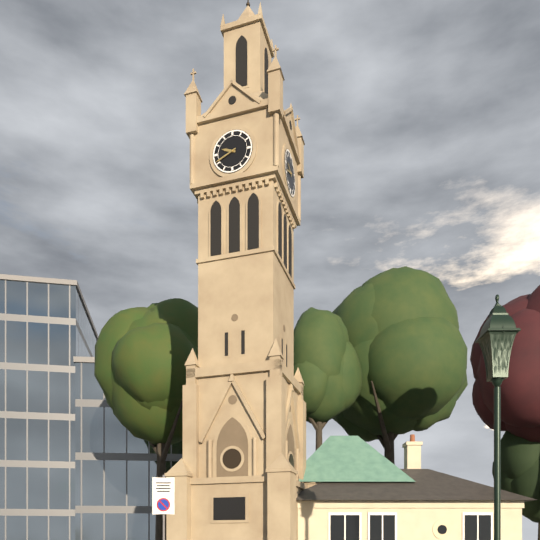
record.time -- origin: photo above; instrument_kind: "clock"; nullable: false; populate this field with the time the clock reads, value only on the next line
9:41
